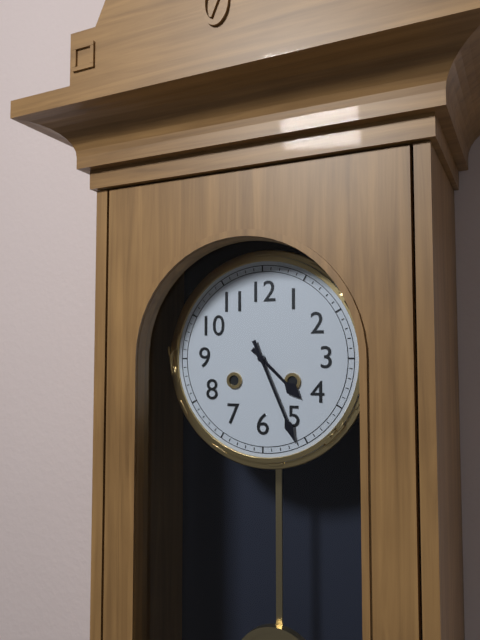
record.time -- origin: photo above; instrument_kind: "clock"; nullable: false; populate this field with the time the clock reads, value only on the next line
4:26
